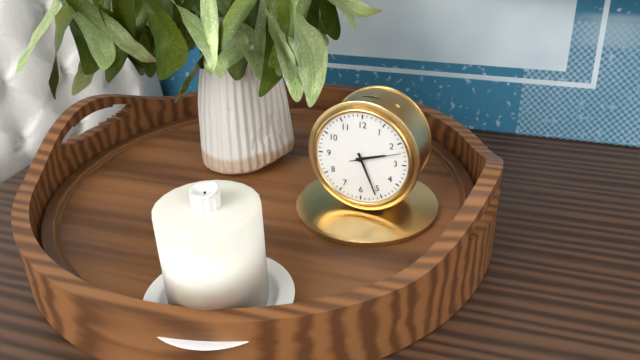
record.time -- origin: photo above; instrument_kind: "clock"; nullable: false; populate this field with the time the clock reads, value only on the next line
2:26:12
